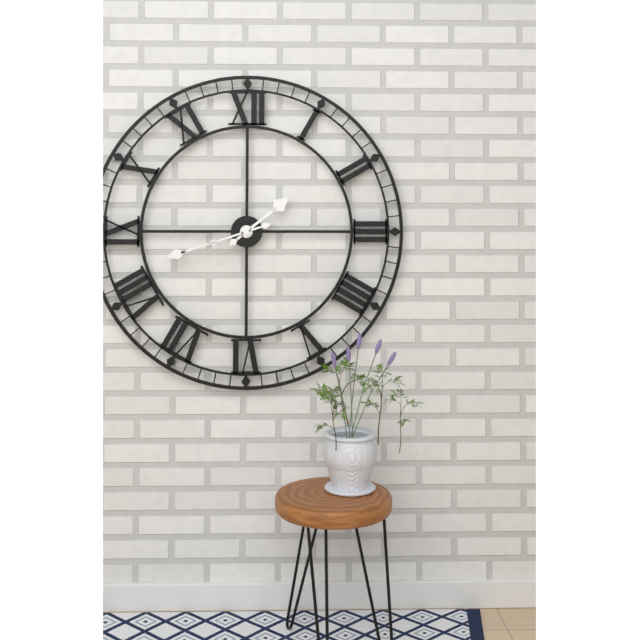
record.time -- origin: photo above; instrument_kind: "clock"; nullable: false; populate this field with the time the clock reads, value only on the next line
1:42
